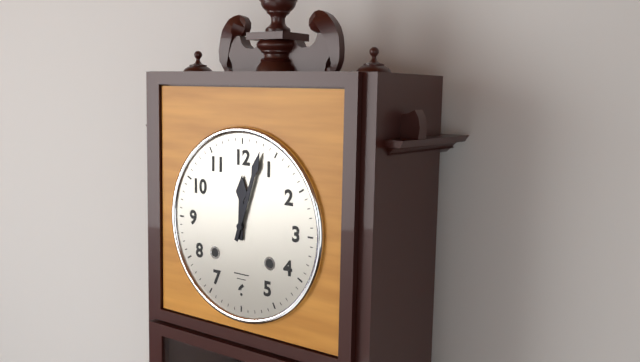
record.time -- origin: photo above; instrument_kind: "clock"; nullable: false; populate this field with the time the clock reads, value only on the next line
12:03
